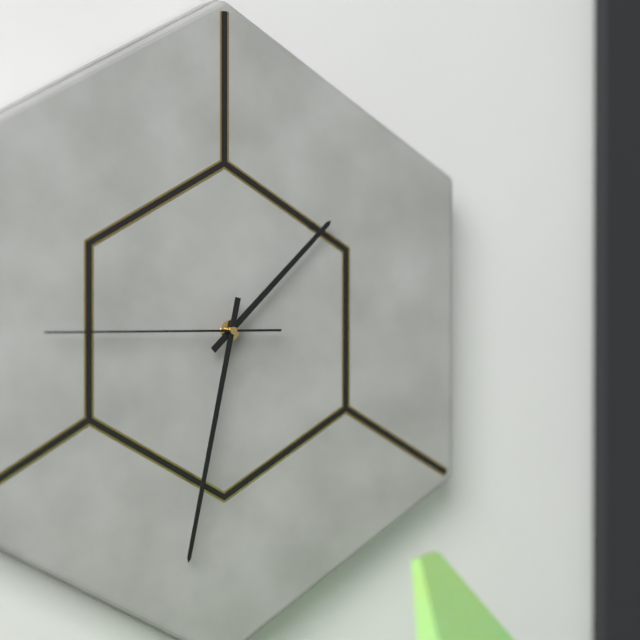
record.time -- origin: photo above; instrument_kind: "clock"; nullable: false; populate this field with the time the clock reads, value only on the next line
1:32:45
